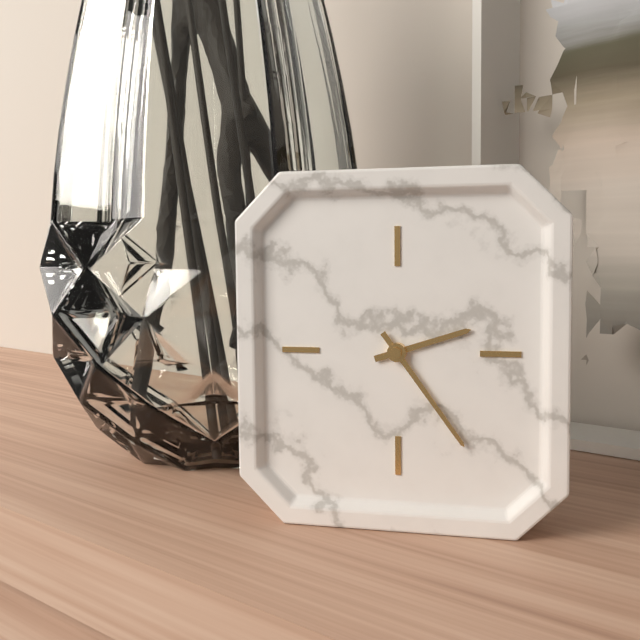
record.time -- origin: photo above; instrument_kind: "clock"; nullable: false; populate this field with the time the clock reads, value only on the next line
2:24
